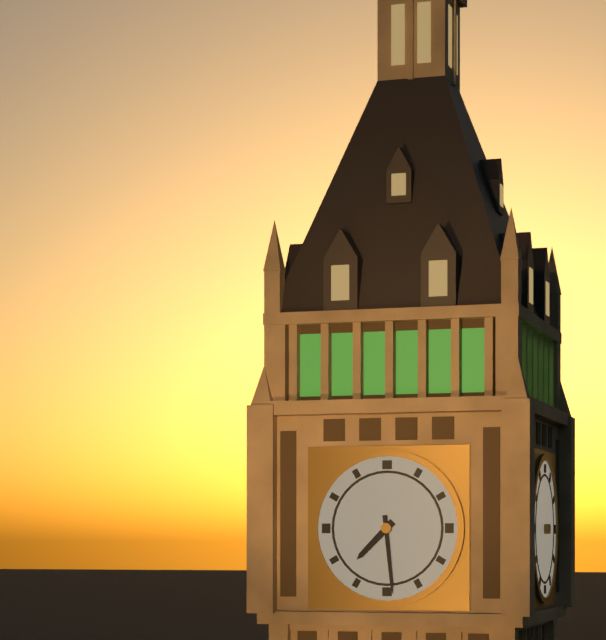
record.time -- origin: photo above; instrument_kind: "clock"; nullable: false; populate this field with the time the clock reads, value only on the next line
7:29
